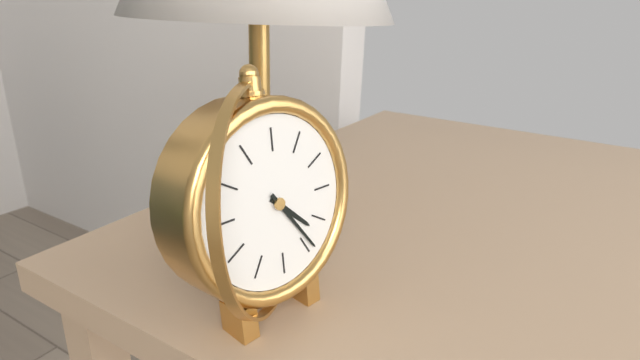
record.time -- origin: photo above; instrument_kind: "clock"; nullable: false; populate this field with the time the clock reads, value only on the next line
4:24
